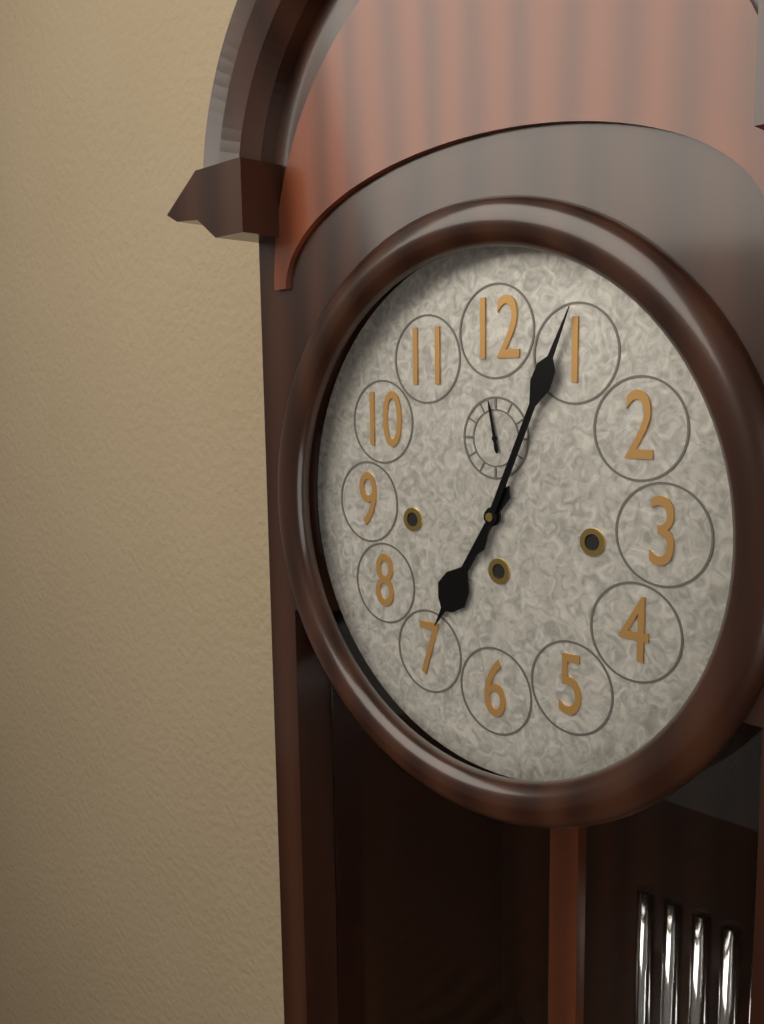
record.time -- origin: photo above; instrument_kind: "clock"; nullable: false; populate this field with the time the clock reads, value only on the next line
7:04
